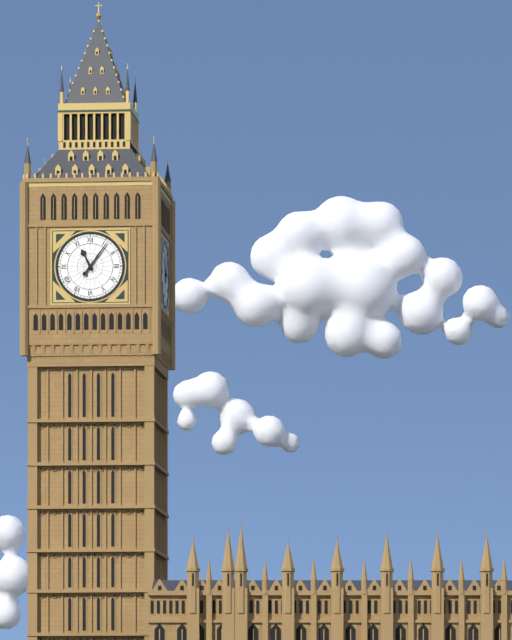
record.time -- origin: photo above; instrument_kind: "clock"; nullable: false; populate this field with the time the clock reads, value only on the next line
11:06
